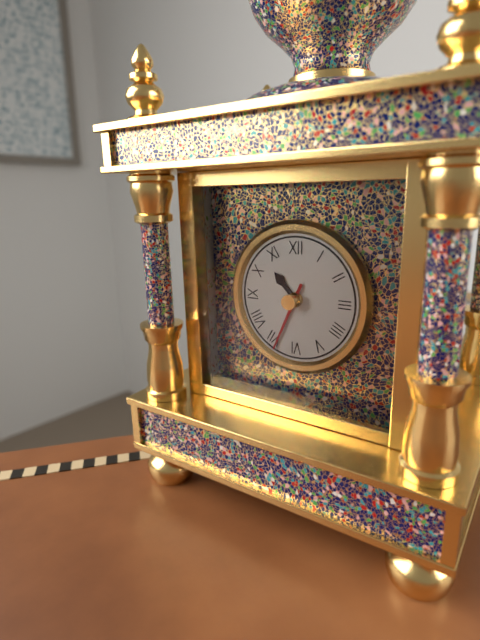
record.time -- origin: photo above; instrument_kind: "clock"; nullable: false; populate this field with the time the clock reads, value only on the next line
10:34
